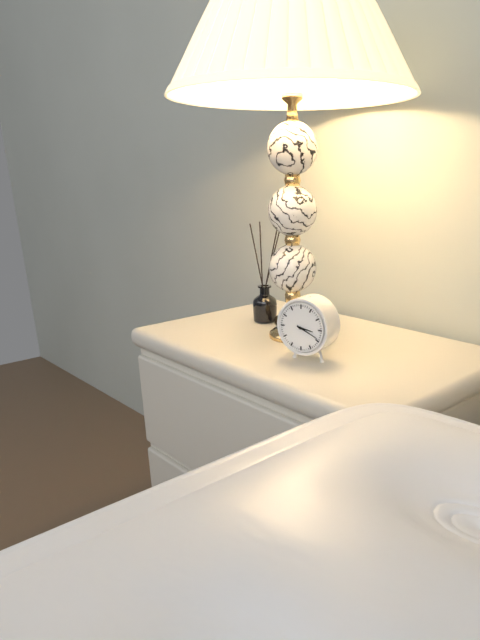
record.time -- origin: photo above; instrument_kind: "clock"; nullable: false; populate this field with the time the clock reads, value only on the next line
3:19
